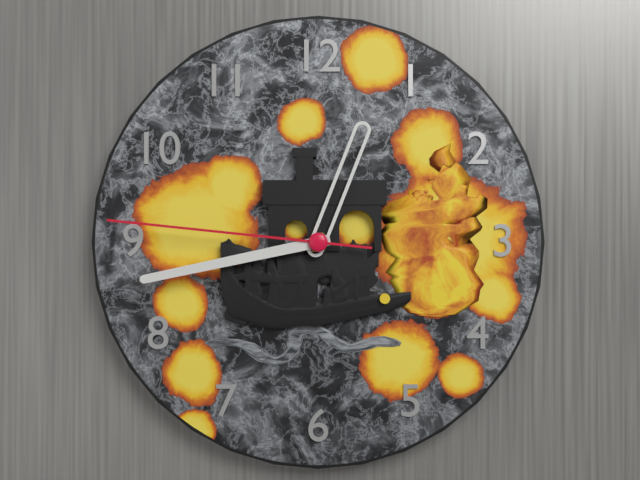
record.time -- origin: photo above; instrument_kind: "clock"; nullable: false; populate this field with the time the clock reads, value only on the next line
12:43:46
